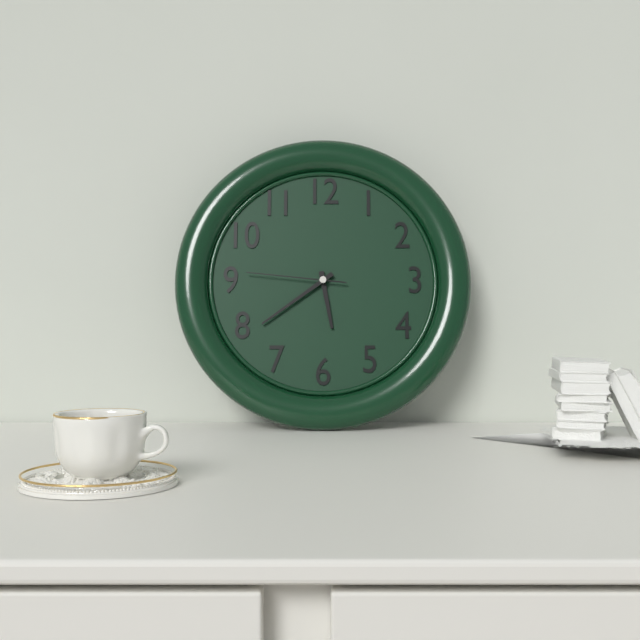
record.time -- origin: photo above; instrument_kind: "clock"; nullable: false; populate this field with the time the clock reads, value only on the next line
5:39:46
